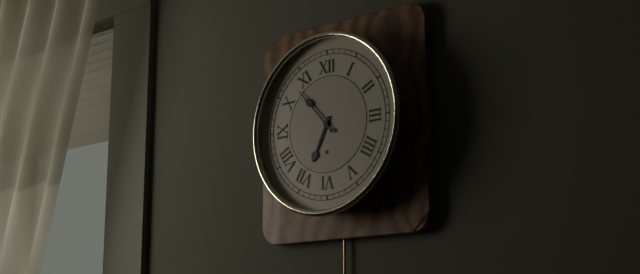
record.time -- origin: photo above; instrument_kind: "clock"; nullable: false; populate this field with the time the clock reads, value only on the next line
6:53
